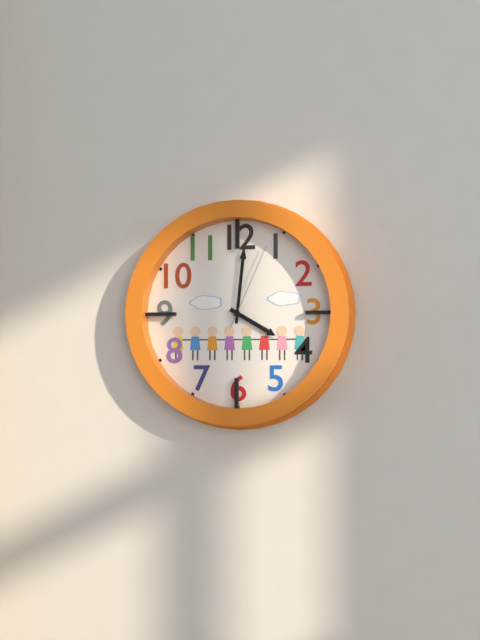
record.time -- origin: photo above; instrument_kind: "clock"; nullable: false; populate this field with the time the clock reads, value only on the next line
4:01:04
